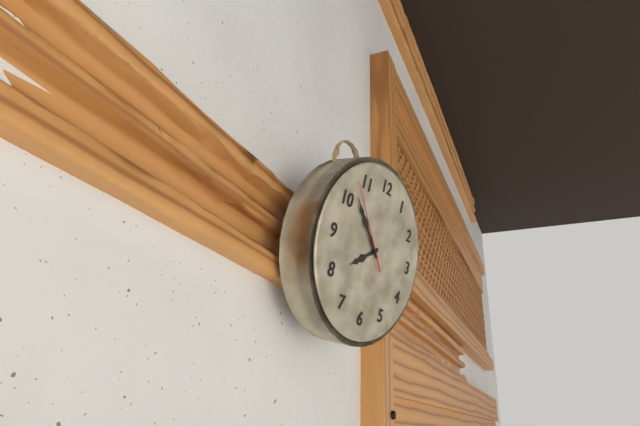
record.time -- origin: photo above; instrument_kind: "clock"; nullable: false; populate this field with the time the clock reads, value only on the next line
7:52:53
